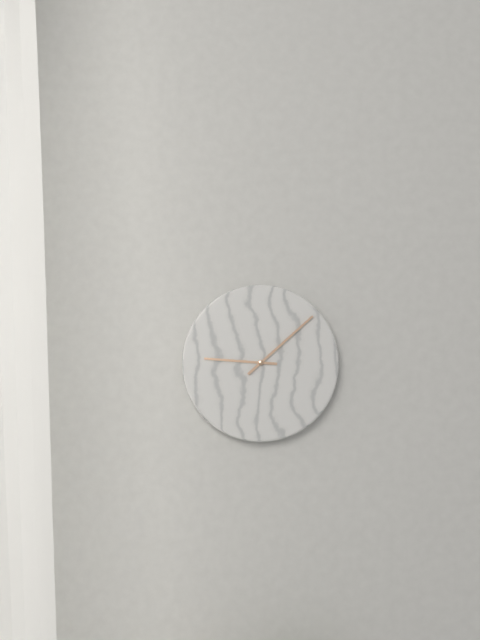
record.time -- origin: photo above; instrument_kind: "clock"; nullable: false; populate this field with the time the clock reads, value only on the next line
9:08
